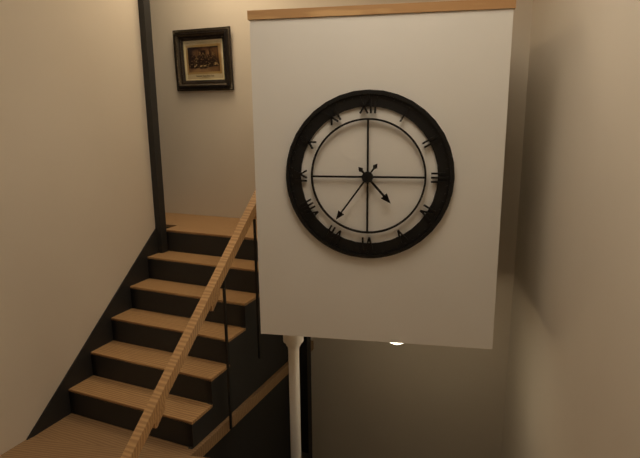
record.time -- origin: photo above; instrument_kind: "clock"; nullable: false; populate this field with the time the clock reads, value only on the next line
4:36
